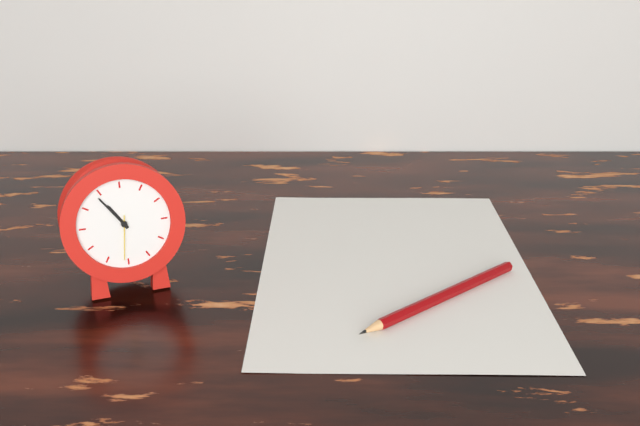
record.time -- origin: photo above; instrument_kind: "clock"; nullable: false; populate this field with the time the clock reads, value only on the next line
10:54
